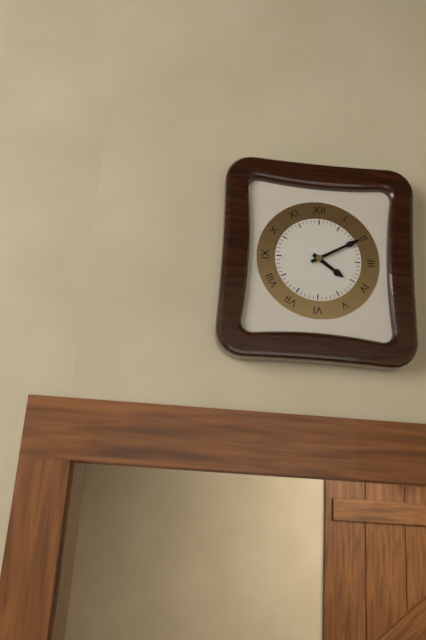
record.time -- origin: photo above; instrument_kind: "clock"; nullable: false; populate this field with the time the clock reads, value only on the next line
4:10
